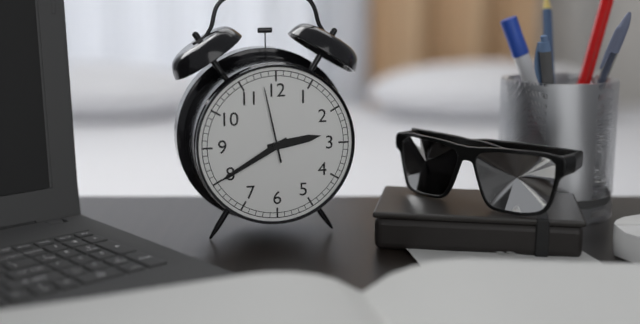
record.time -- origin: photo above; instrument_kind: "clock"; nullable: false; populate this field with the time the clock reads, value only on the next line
2:40:58
